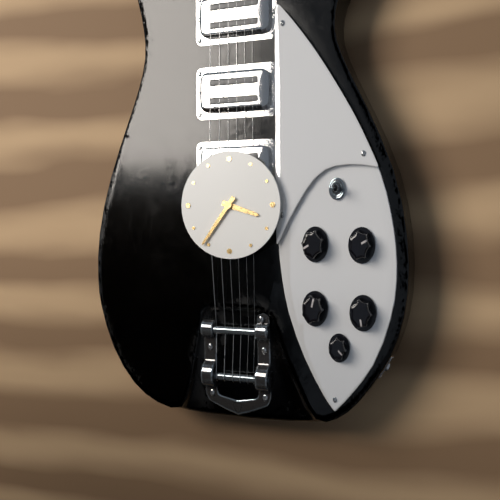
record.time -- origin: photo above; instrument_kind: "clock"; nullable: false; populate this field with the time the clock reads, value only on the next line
3:36
